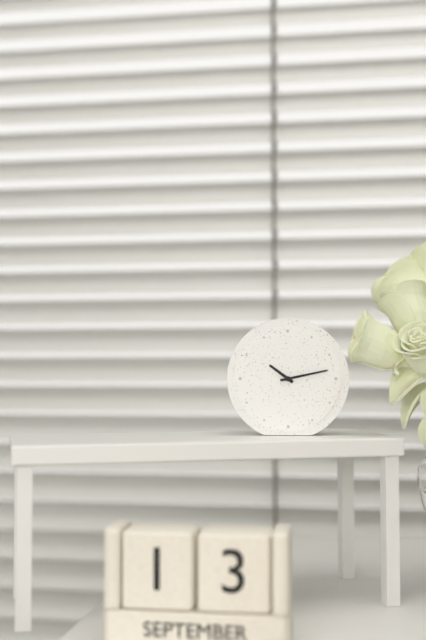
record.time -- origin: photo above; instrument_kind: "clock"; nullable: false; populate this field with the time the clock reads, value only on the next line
10:13
